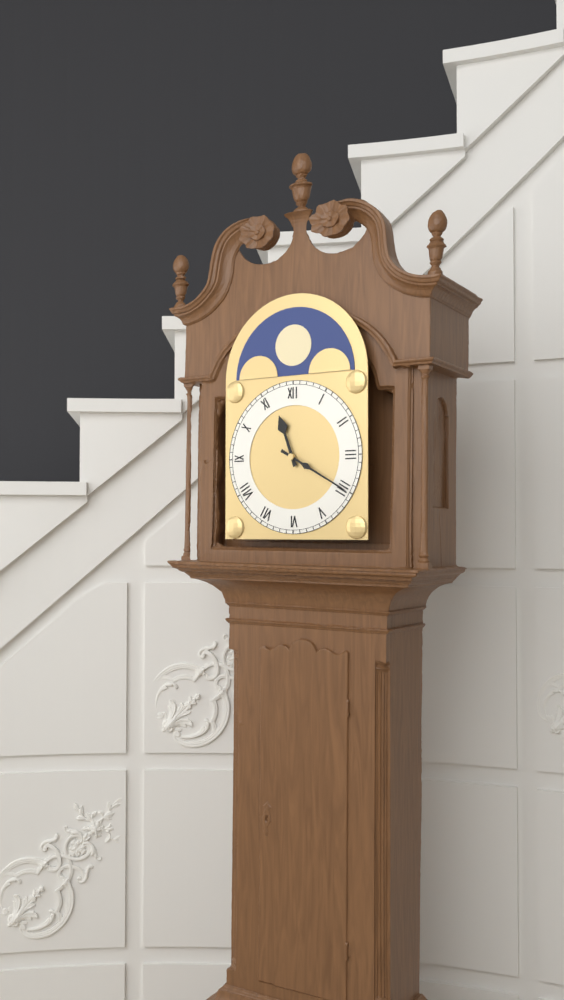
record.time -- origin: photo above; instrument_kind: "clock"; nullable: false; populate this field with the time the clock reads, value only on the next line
11:20
